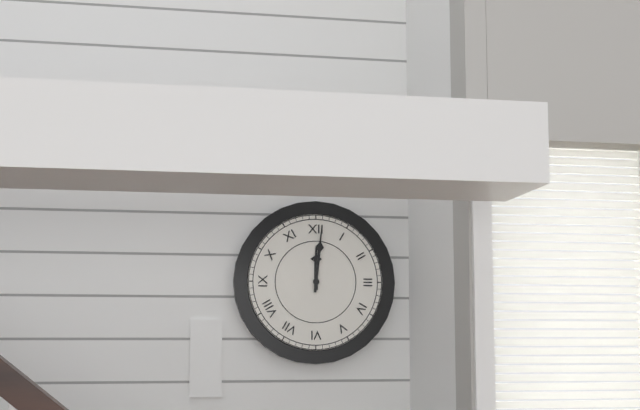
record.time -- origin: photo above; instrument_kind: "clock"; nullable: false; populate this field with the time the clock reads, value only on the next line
12:01
